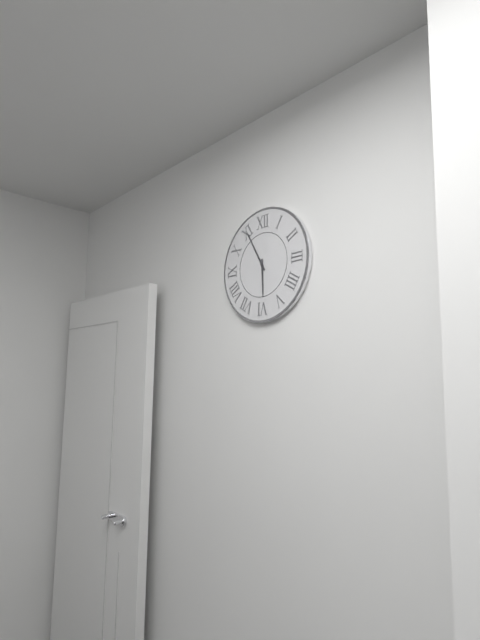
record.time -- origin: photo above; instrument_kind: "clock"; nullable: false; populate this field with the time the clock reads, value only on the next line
5:55
